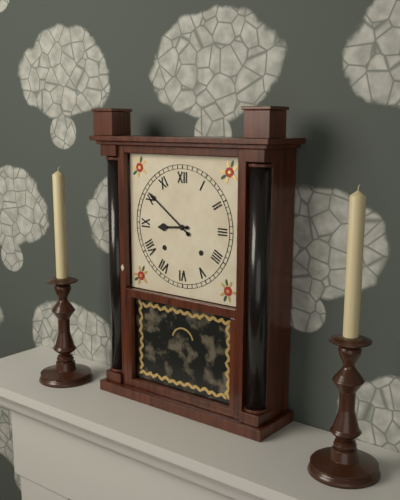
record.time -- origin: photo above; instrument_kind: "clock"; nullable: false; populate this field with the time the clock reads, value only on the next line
8:51
